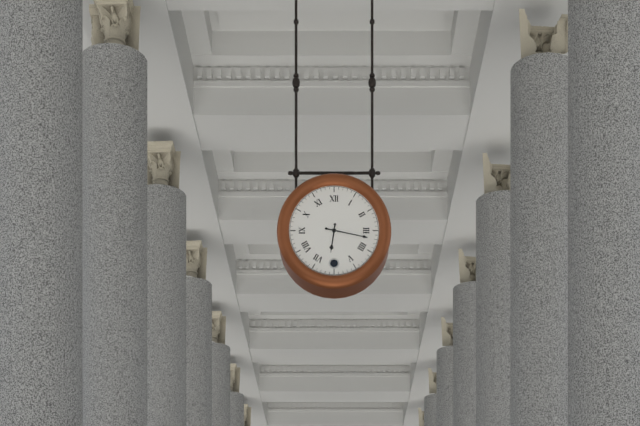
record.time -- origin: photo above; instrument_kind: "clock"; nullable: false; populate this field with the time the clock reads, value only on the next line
6:17
